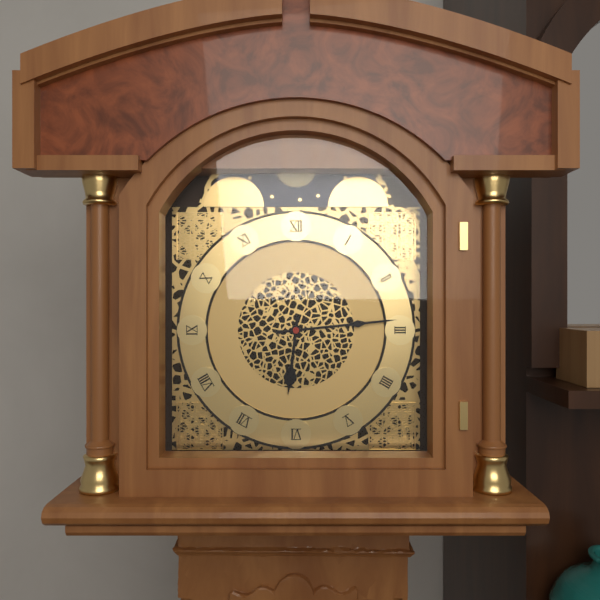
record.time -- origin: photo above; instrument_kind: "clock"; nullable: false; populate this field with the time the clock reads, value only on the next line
6:14
